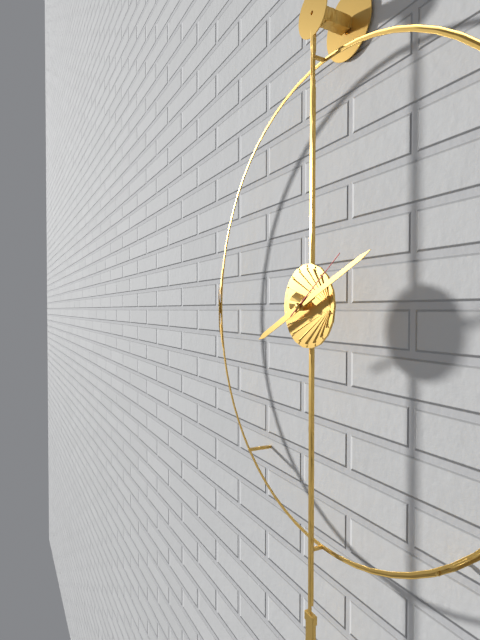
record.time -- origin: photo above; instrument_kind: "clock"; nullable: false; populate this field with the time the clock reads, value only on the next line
8:11:09
